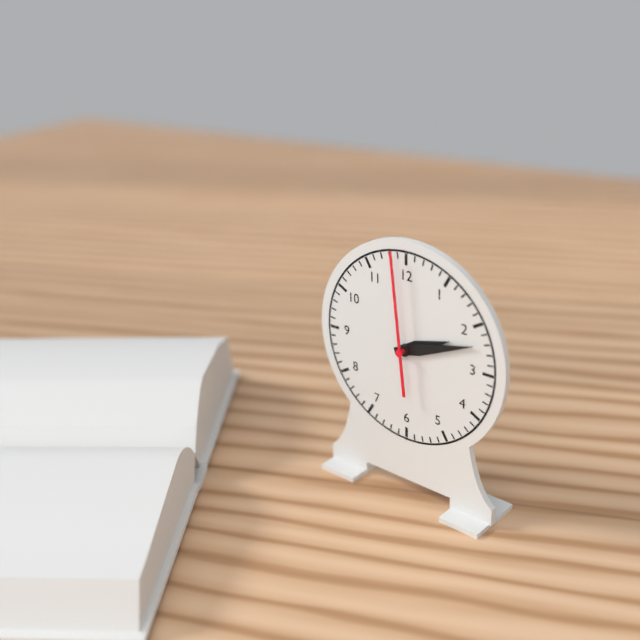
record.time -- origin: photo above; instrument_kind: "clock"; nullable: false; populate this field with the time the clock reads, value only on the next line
2:12:59
